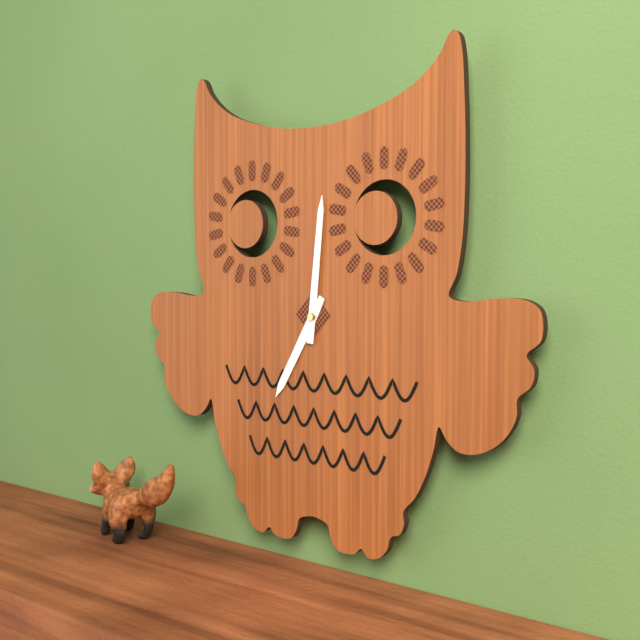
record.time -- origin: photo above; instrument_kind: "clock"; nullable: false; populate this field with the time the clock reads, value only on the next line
7:01
